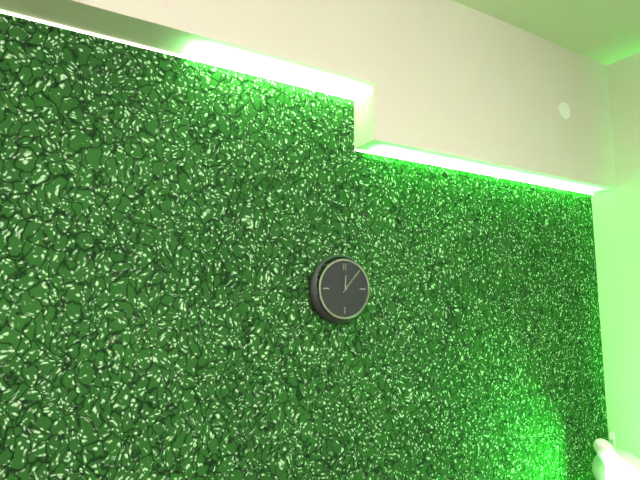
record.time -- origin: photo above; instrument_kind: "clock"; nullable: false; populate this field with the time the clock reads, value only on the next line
12:07
